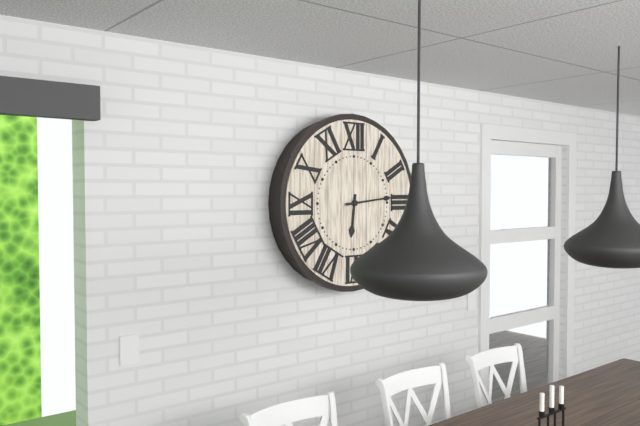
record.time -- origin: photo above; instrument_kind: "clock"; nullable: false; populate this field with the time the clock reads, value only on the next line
6:14
